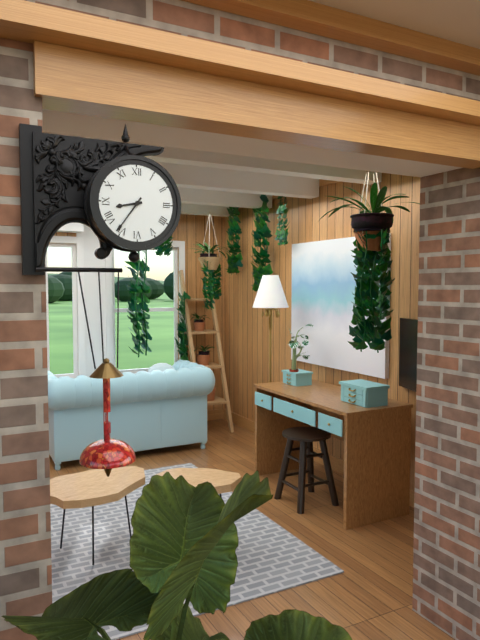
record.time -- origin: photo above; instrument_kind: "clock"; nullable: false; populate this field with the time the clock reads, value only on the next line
8:36
